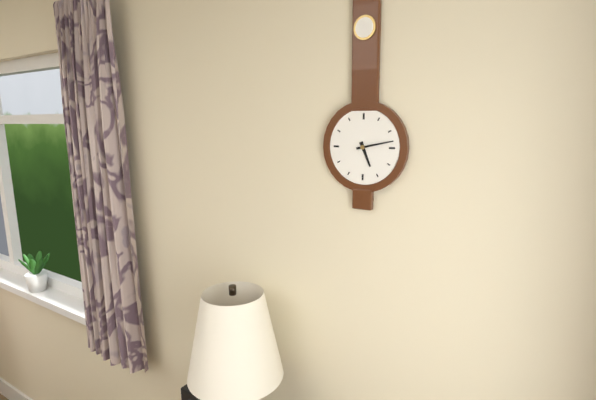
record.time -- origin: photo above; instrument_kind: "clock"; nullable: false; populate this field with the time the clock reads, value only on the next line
5:13
